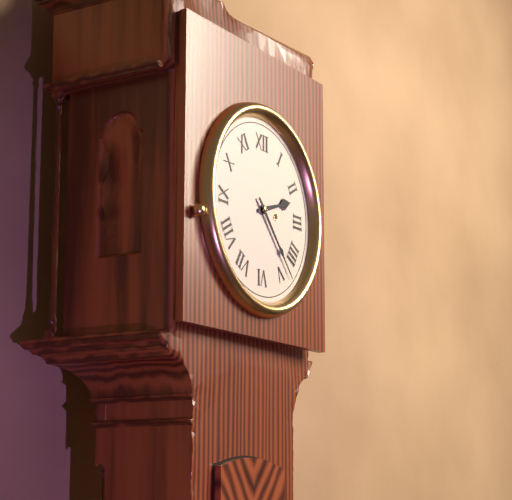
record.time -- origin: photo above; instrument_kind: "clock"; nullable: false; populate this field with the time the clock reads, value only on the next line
2:23
